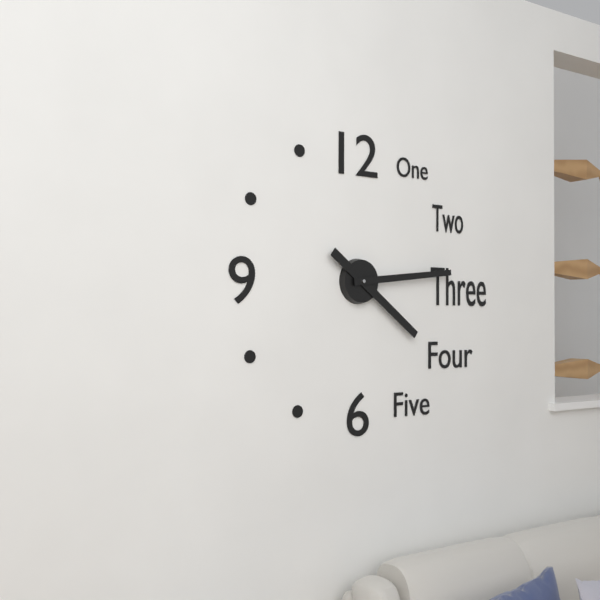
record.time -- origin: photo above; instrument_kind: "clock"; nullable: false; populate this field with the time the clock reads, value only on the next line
4:14
